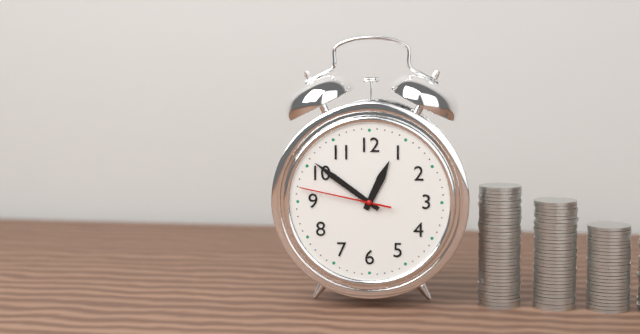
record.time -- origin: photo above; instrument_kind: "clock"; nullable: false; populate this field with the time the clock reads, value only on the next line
12:51:47
